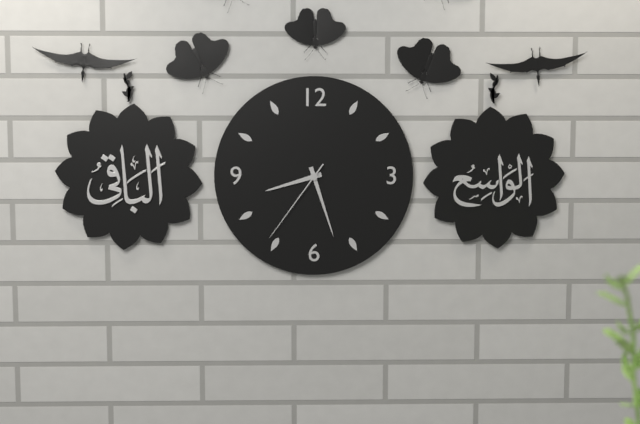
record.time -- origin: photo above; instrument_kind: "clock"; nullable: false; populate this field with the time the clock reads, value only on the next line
8:27:36
